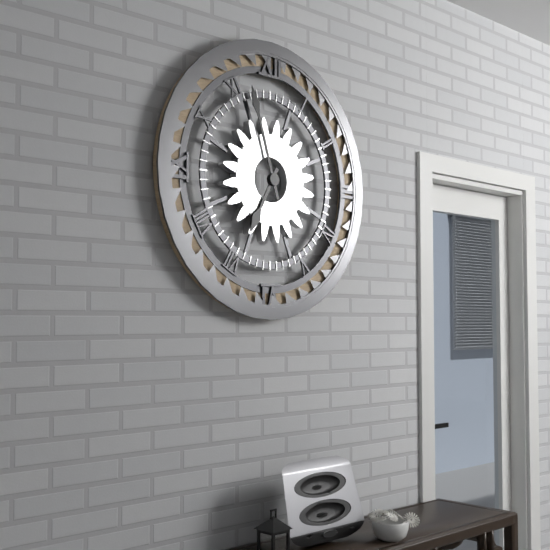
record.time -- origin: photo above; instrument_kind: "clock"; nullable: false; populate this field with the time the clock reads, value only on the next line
6:57
